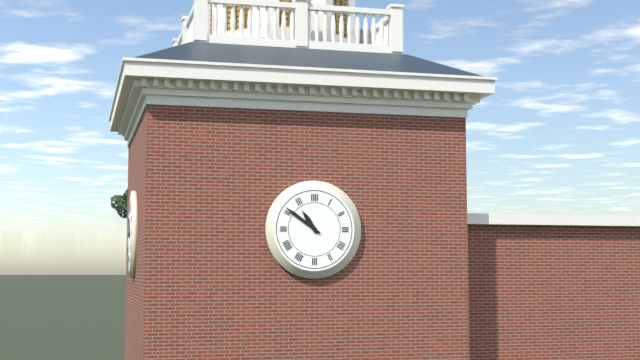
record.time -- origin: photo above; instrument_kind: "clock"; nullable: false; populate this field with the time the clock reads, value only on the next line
10:51
